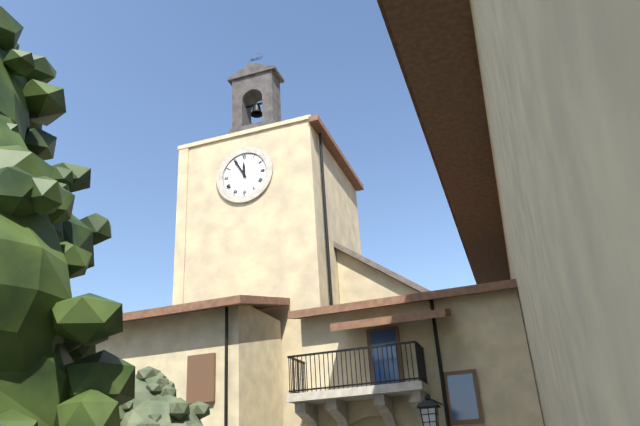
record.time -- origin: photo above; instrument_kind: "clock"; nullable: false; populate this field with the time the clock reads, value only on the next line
11:55
